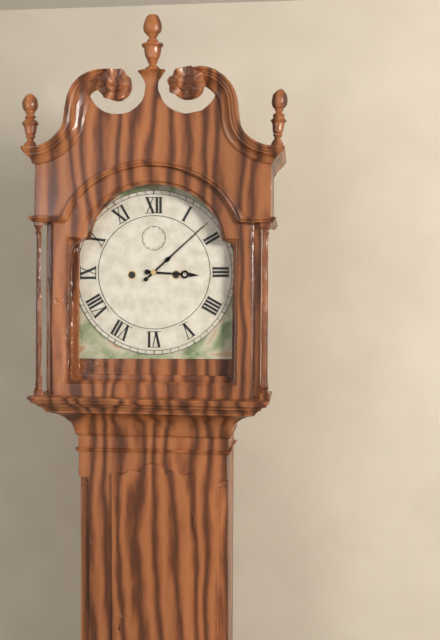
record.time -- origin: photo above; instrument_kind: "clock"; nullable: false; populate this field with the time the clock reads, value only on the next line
3:08
